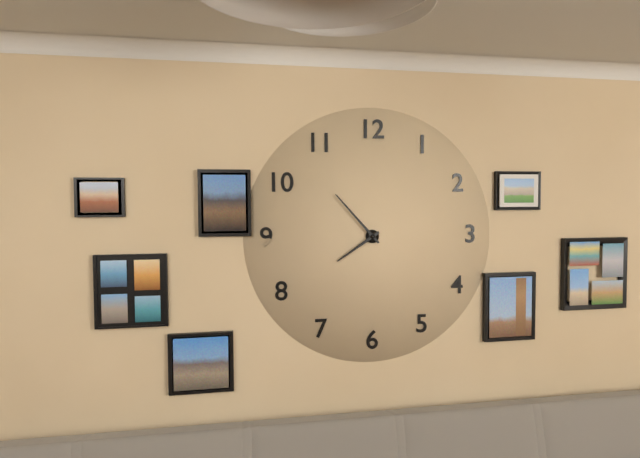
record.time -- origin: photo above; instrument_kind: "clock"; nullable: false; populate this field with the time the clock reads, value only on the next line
7:53
